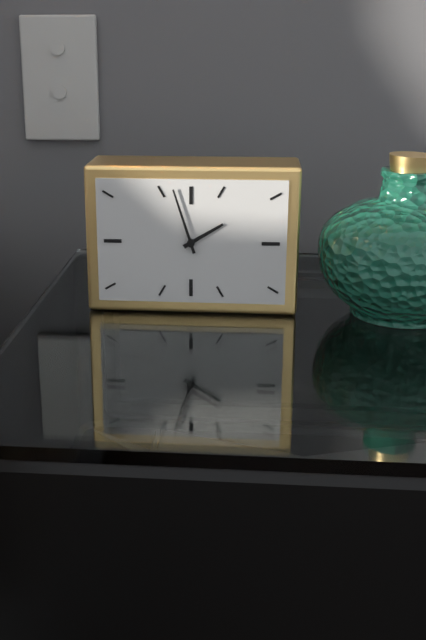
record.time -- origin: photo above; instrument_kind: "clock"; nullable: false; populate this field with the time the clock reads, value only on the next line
1:57
